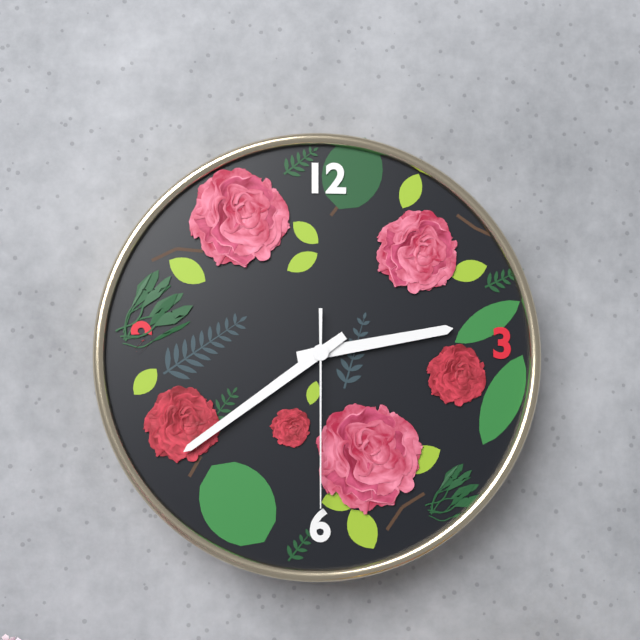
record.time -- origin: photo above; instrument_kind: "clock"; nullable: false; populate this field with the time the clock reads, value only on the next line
2:39:30
